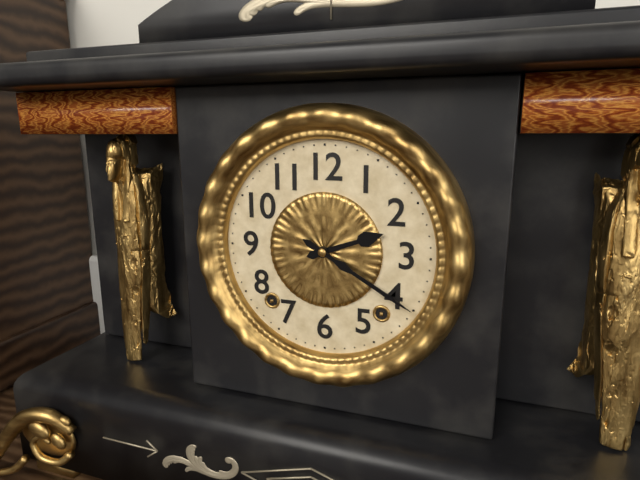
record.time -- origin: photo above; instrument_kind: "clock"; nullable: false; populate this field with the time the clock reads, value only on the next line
2:20
